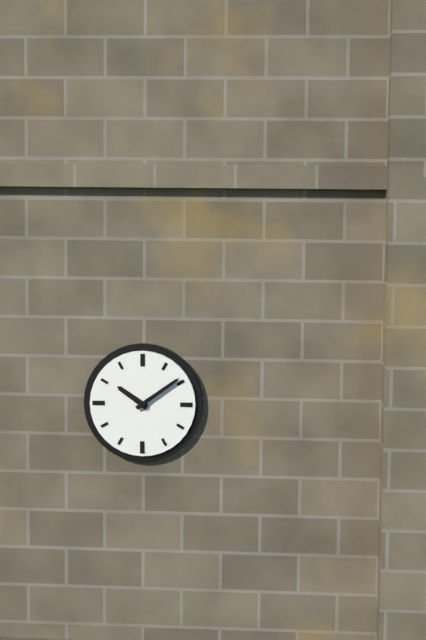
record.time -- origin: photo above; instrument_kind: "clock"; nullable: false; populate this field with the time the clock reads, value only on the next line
10:09
